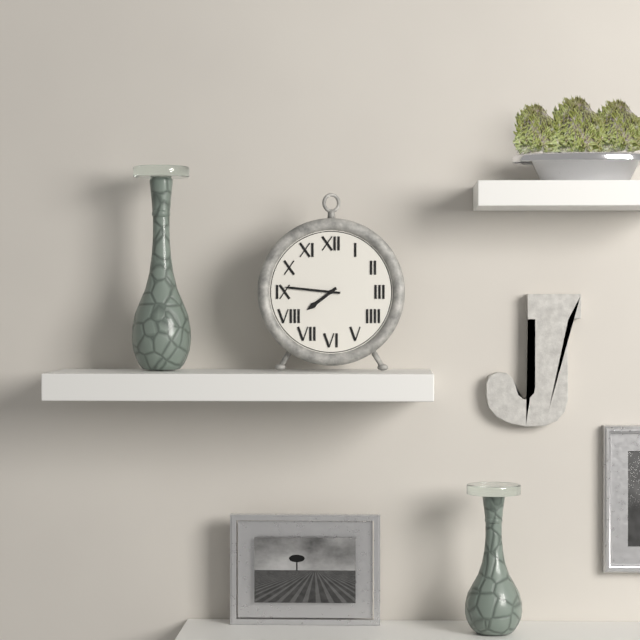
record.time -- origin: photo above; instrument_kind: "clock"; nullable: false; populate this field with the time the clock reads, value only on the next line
7:46
